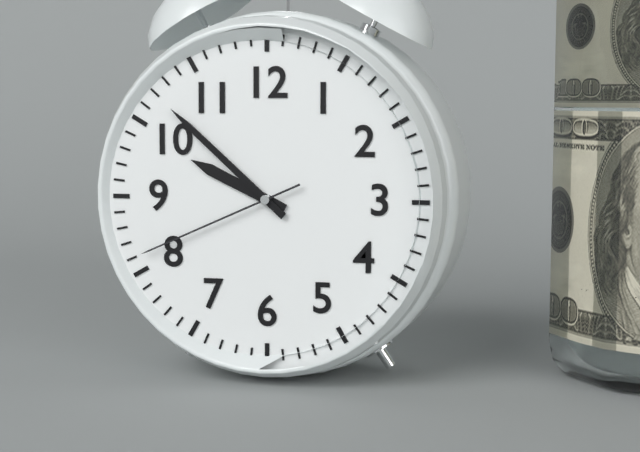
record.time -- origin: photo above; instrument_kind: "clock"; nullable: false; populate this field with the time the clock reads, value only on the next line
9:52:41
